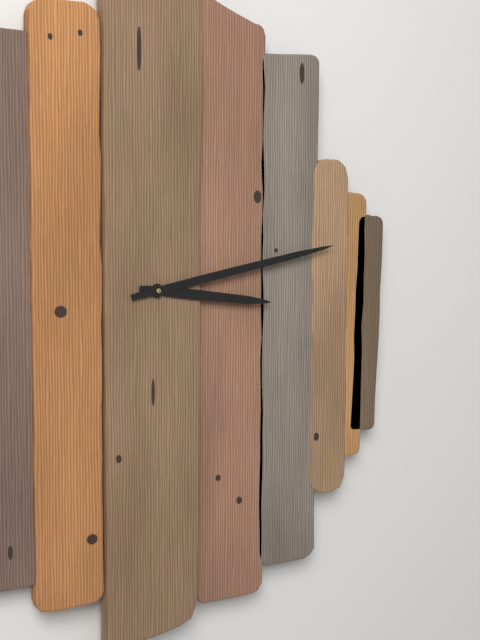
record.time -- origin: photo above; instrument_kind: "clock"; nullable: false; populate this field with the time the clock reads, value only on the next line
3:13
